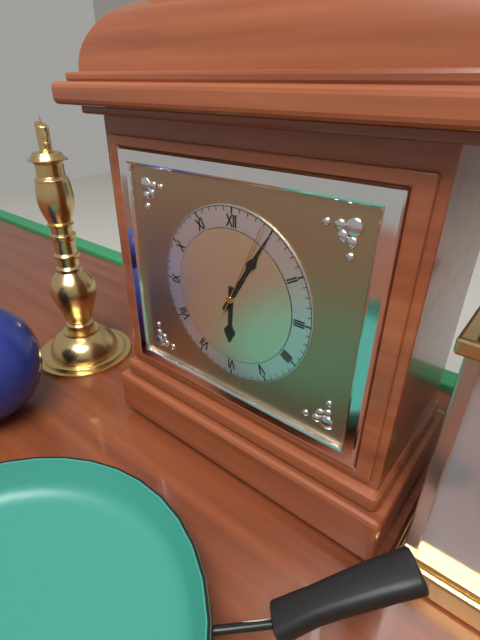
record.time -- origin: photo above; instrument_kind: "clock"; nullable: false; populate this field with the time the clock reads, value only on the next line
6:05:04
